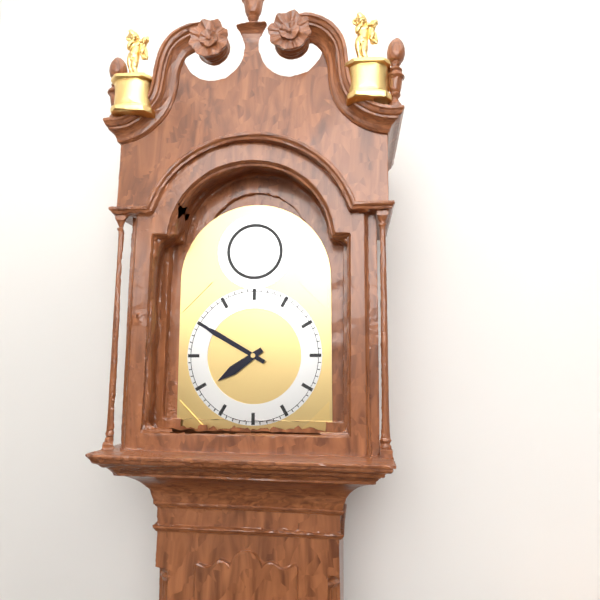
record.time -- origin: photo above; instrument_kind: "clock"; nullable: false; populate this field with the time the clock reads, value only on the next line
7:50
